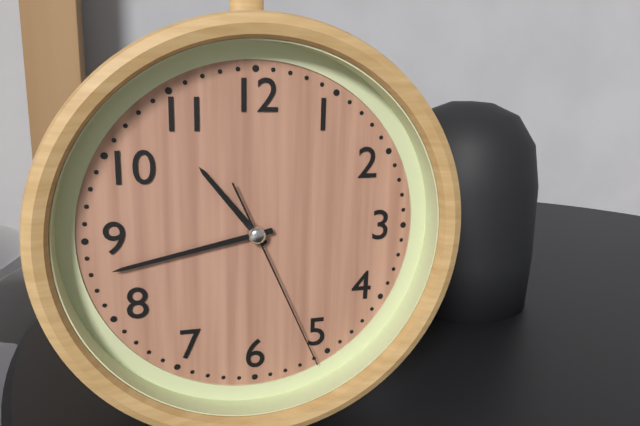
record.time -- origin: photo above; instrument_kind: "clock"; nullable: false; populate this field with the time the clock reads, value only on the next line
10:43:26
